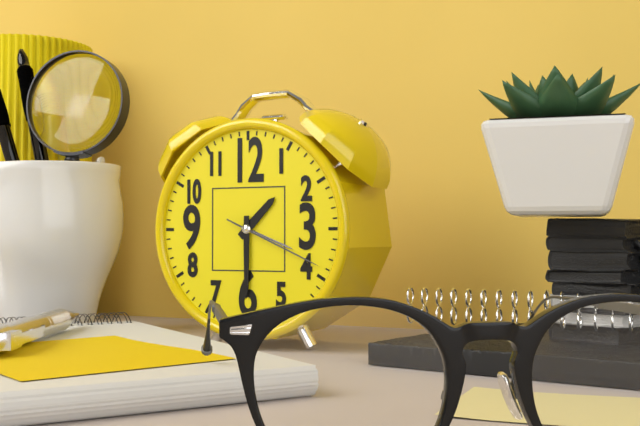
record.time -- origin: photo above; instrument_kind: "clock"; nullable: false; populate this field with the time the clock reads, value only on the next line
1:30:19
